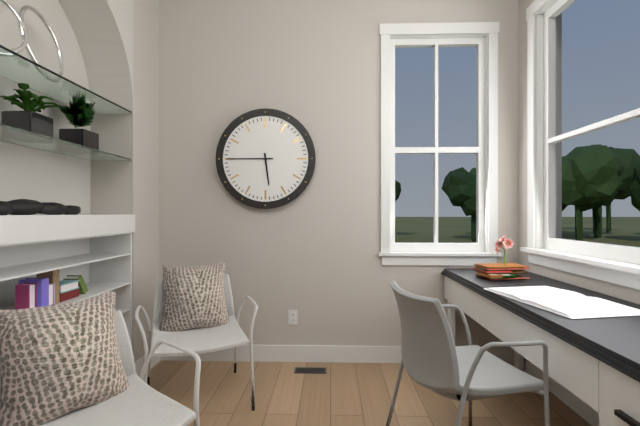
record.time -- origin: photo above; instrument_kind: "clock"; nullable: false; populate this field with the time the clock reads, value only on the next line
5:45
